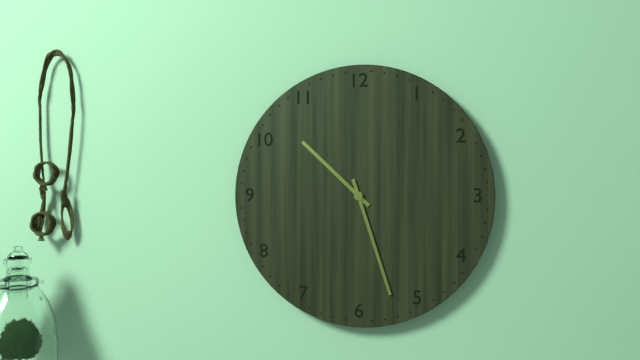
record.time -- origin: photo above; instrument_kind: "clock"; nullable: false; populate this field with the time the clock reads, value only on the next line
10:27
